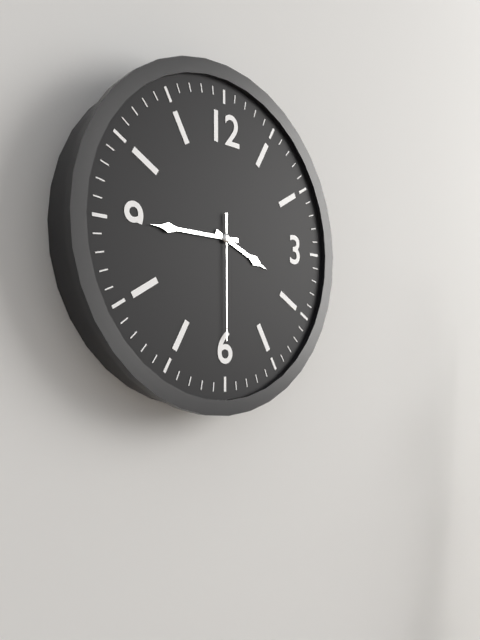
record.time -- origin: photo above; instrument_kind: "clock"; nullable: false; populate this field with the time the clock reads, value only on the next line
3:45:30
